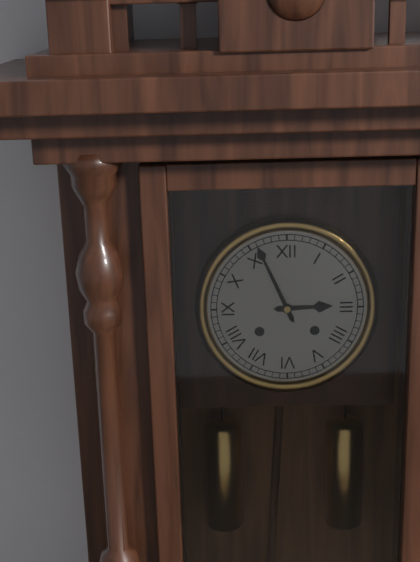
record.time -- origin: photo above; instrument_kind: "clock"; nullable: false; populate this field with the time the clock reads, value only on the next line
2:56
